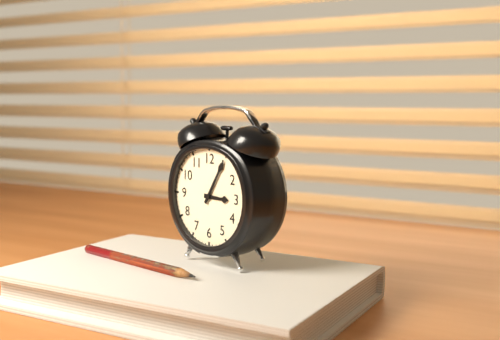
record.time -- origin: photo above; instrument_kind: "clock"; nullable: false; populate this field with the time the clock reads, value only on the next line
3:05
